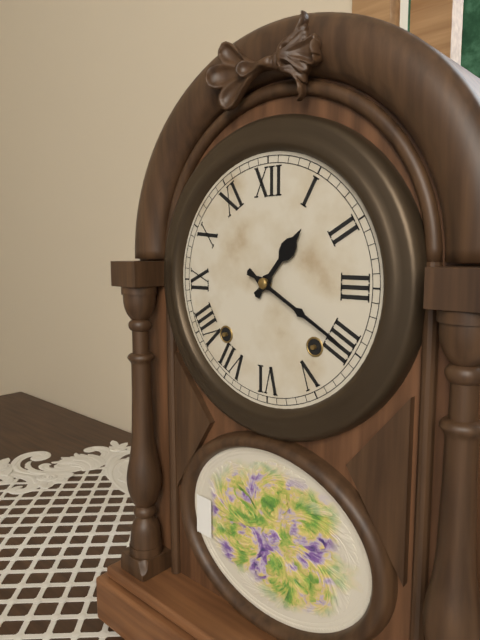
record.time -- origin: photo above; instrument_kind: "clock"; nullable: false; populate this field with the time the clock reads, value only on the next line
1:20
